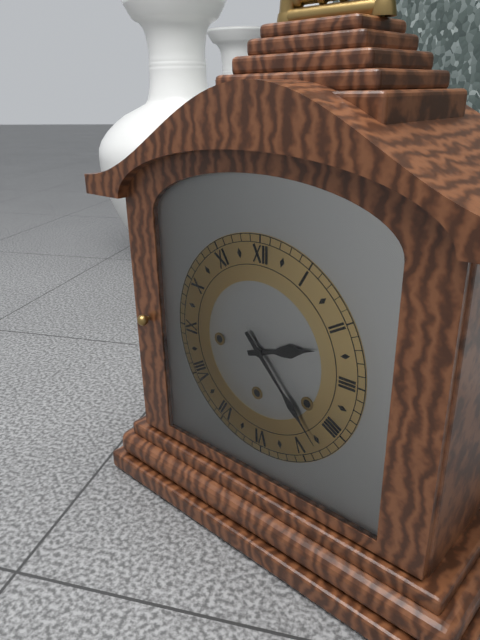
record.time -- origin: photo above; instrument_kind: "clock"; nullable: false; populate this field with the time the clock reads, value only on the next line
2:23
